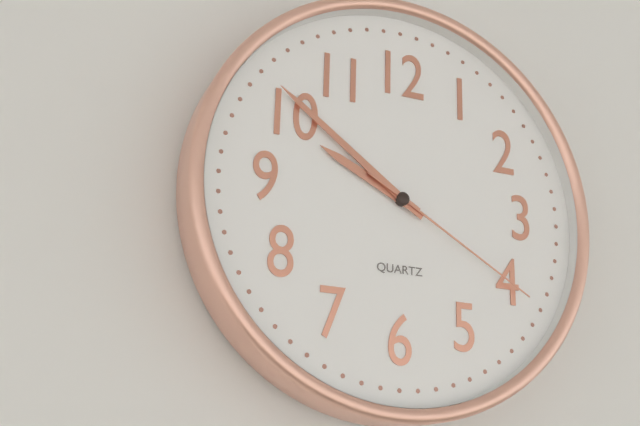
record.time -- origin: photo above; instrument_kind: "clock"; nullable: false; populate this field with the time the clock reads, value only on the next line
9:51:20
